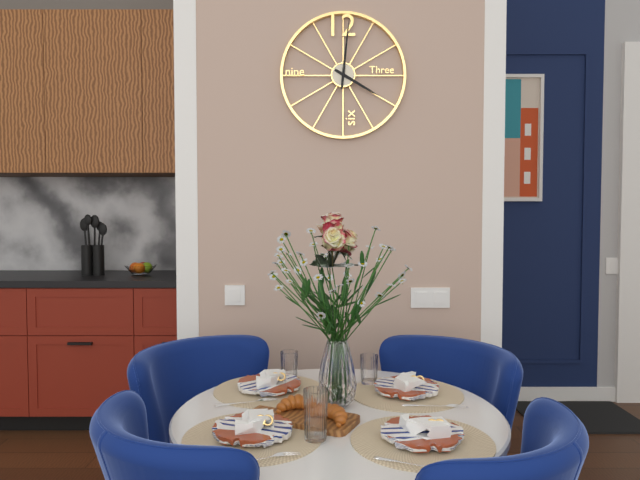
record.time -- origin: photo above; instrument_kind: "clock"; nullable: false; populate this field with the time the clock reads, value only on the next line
4:01
